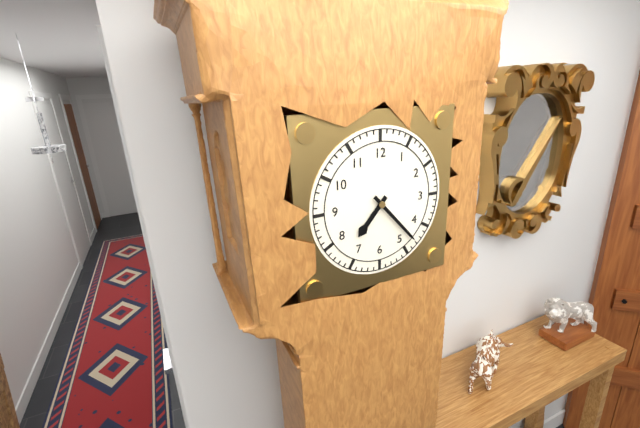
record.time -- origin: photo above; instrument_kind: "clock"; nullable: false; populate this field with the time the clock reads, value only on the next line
7:23
